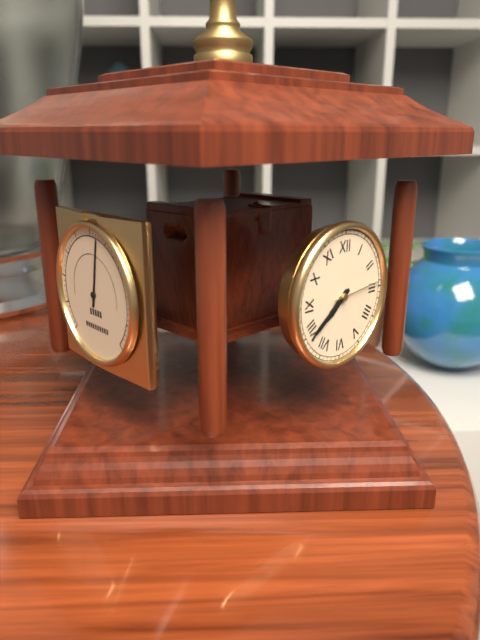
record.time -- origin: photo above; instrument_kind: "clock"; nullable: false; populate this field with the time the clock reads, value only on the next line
7:39:14
